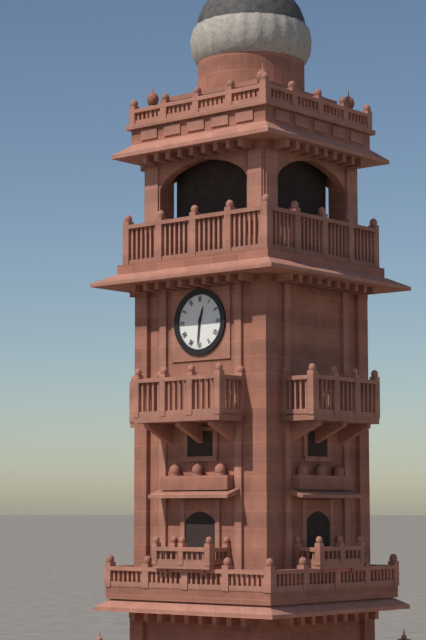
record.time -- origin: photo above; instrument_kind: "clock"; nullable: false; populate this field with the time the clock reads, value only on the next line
12:31
